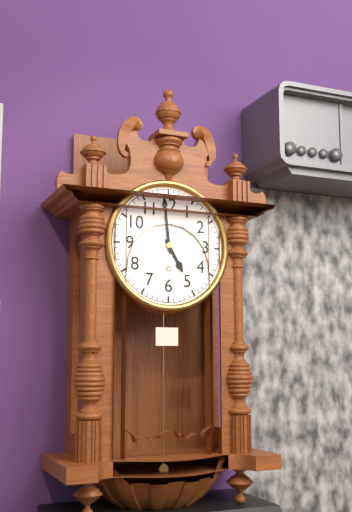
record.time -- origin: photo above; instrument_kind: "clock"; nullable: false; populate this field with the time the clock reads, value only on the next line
4:59
